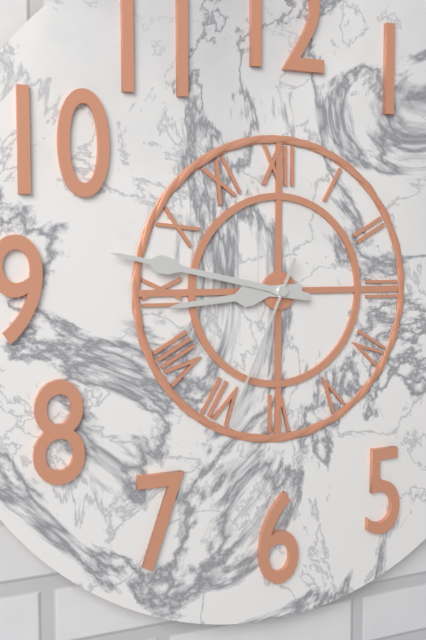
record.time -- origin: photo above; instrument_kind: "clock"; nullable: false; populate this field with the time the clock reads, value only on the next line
8:47:34
